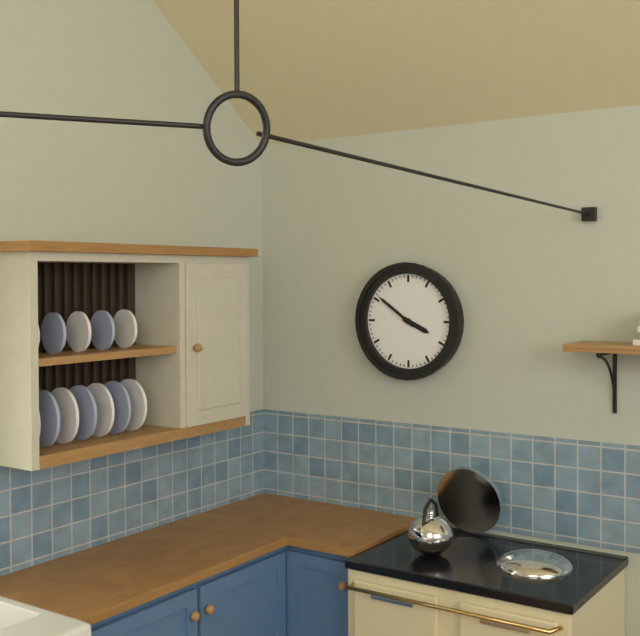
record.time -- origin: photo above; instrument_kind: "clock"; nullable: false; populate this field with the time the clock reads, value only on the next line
3:51
